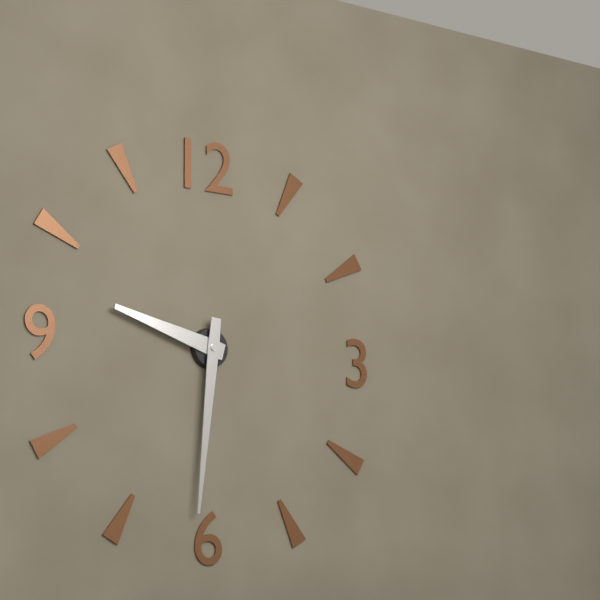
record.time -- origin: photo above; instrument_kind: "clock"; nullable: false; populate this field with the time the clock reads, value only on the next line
9:31
